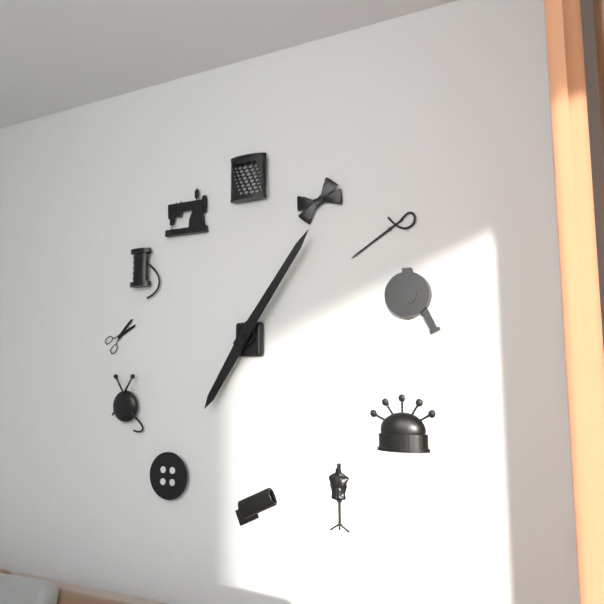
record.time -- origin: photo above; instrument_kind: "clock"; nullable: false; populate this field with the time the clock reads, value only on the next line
7:06
